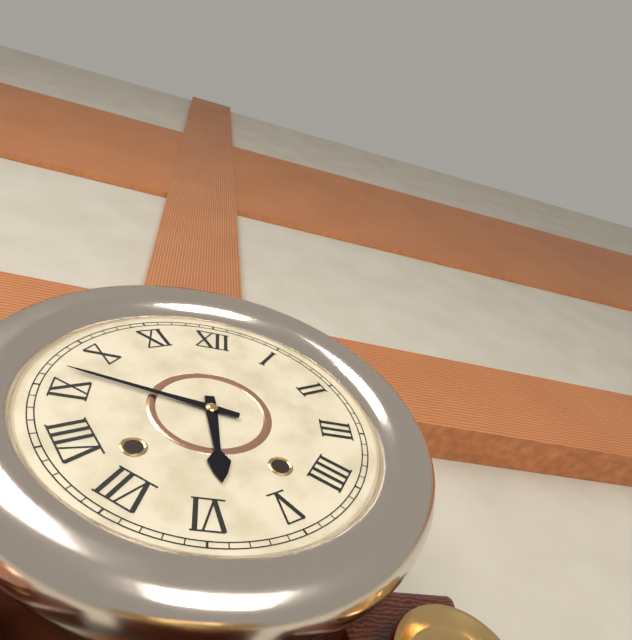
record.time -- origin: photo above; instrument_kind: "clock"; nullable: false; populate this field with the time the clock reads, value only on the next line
5:47
